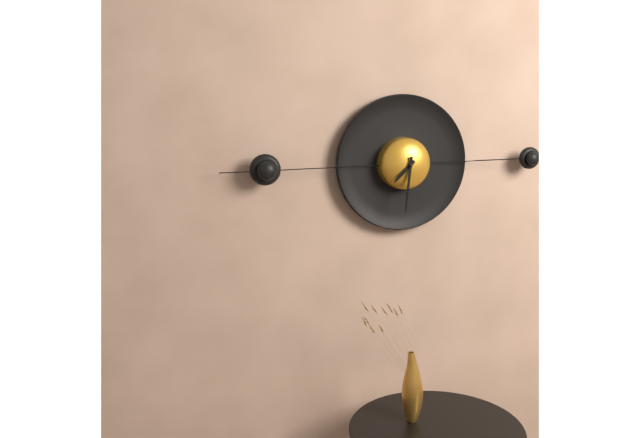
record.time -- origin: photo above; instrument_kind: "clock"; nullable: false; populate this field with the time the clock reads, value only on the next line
7:31
